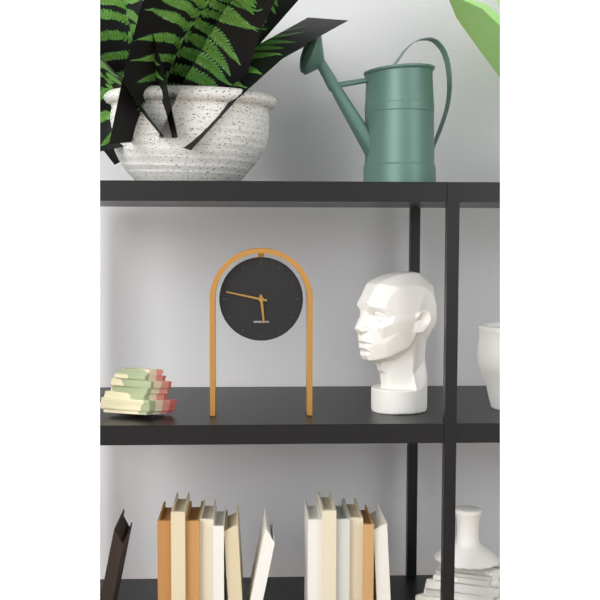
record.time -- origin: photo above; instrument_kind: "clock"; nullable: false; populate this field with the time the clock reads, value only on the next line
5:47
